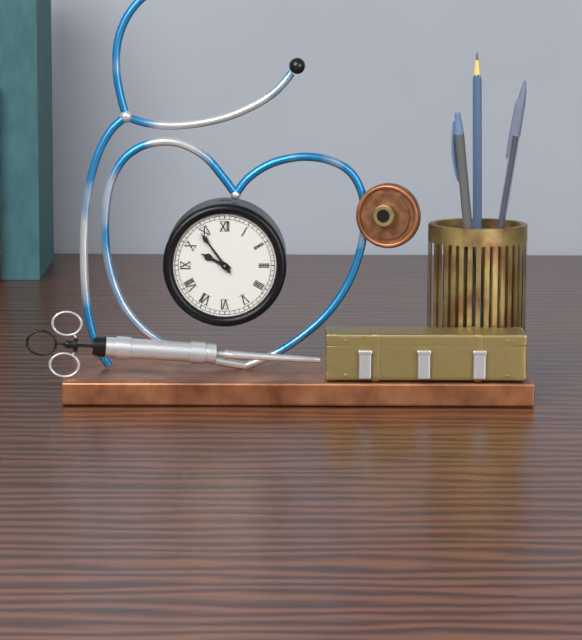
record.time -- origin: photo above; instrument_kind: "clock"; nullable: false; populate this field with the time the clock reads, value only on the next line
9:54
